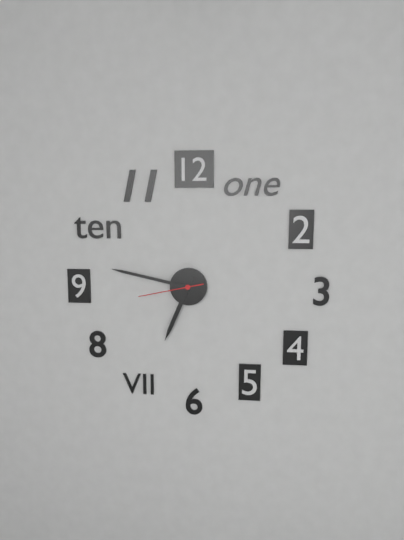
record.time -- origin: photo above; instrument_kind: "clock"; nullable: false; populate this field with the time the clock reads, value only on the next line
6:47:43
